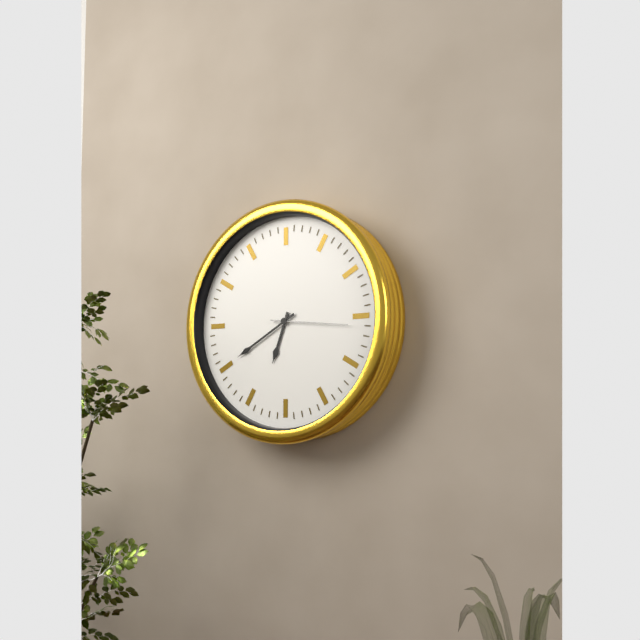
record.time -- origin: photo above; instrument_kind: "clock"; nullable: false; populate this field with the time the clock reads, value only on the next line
6:40:16
